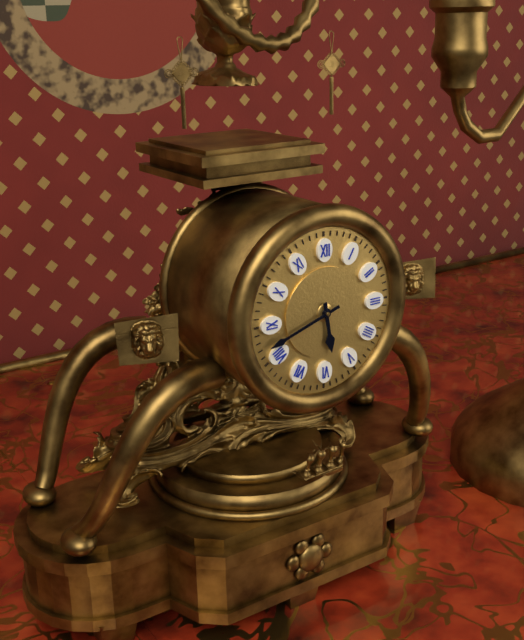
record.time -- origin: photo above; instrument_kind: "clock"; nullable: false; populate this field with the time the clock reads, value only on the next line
5:42
